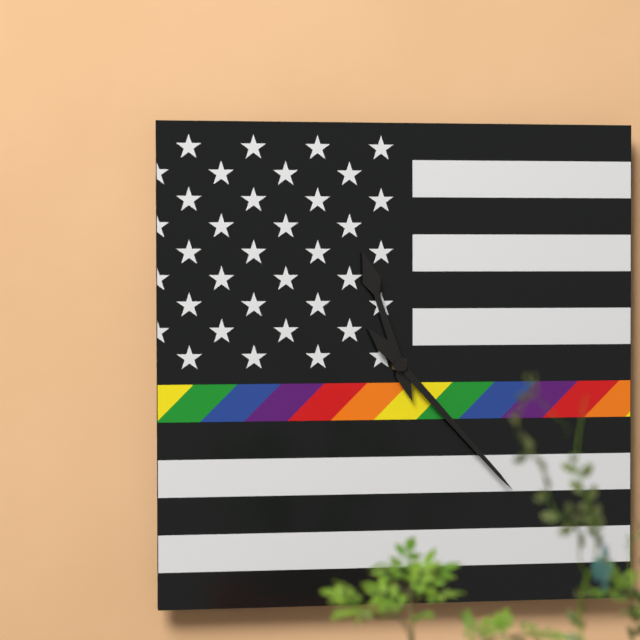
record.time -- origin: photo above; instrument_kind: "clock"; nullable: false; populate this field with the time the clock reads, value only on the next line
11:23
